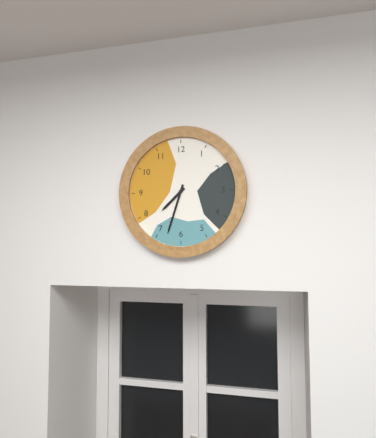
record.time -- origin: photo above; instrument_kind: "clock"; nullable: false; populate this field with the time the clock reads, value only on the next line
7:33
